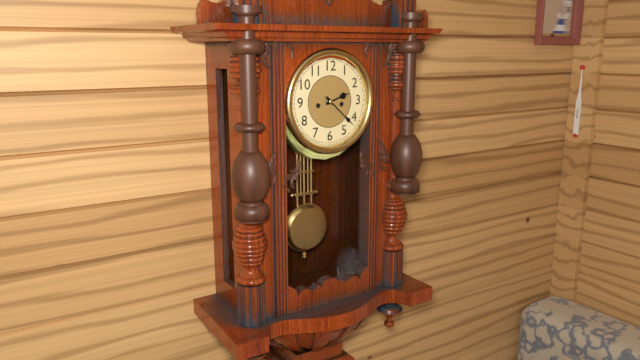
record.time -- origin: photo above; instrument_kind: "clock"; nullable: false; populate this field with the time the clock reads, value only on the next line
2:22
